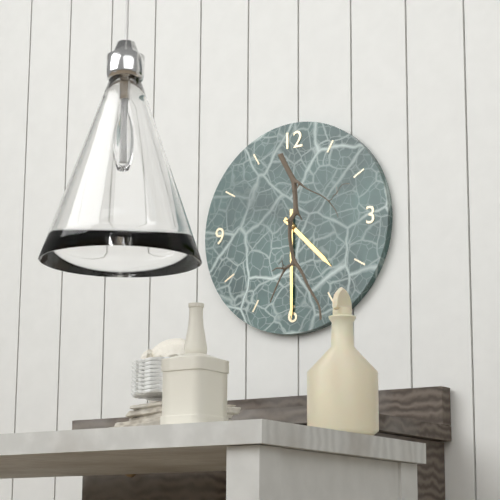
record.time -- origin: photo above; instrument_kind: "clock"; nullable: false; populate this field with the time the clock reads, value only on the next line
4:30
